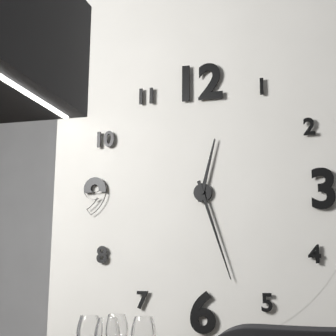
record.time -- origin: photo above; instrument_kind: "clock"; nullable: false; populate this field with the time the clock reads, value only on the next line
12:27
